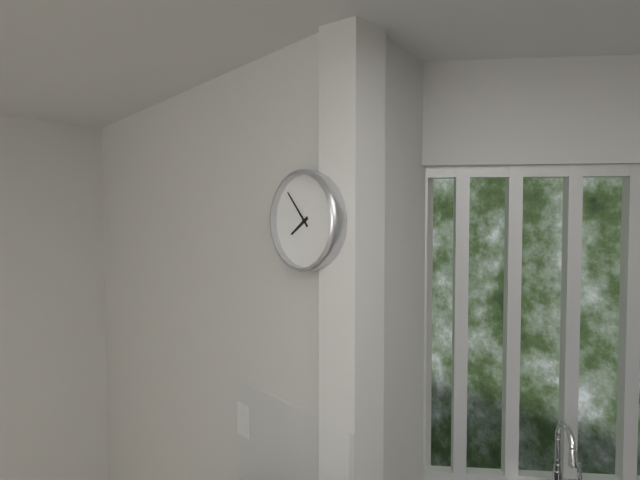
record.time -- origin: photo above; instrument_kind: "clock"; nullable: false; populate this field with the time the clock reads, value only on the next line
7:53
